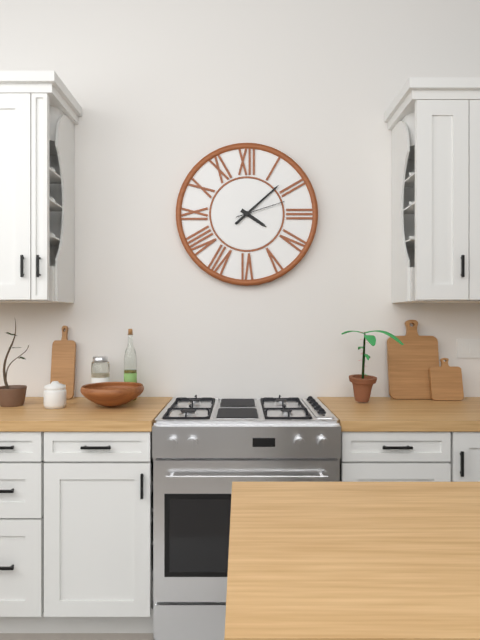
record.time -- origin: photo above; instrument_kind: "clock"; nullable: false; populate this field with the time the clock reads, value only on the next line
4:08:12
